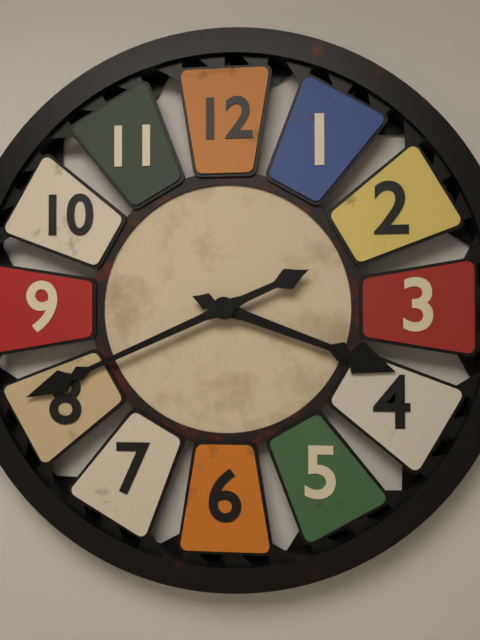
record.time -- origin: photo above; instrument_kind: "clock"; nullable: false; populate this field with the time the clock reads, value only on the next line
3:41
